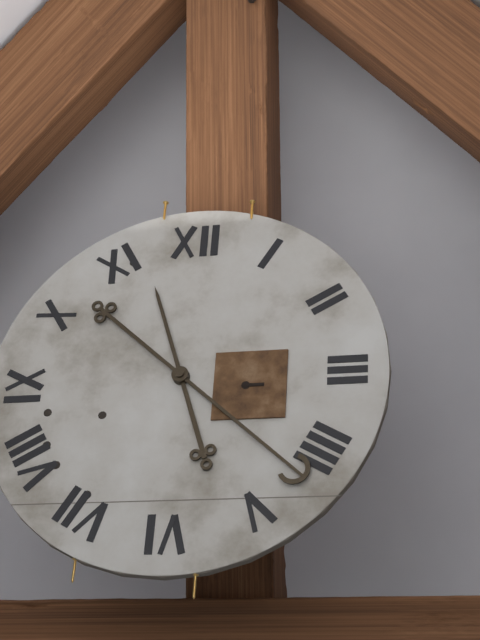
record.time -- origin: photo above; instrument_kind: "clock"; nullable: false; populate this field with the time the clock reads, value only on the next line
11:22
